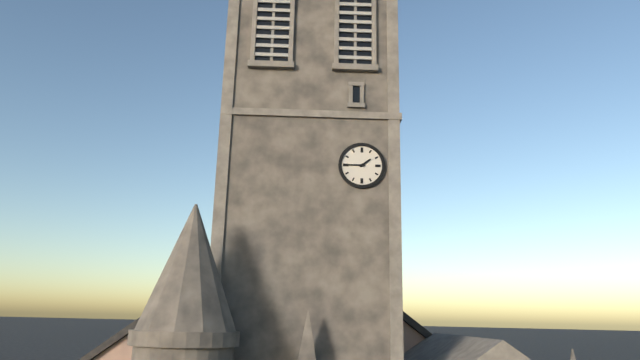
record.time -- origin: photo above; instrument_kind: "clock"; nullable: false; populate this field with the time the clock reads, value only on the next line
1:45
